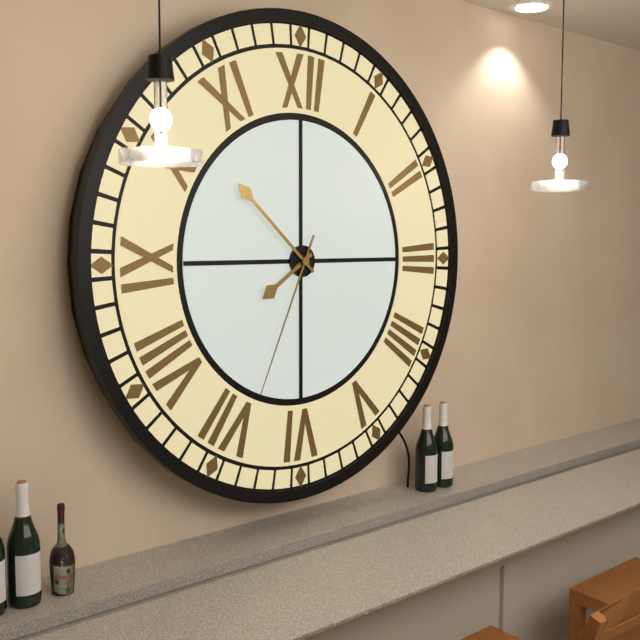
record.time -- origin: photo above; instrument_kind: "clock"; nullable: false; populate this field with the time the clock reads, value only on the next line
7:52:34
